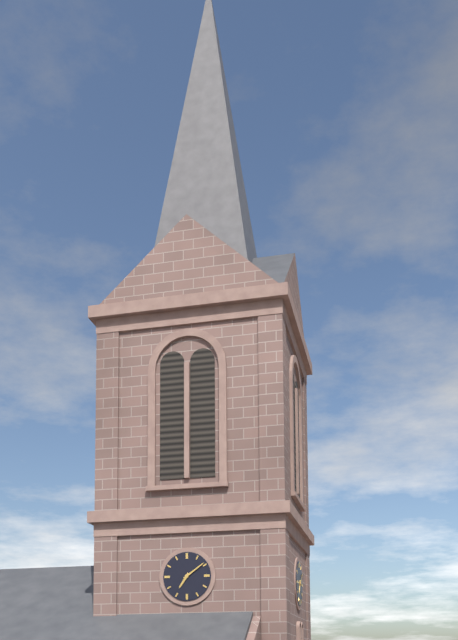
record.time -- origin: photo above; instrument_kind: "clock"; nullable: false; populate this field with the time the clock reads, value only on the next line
7:09
